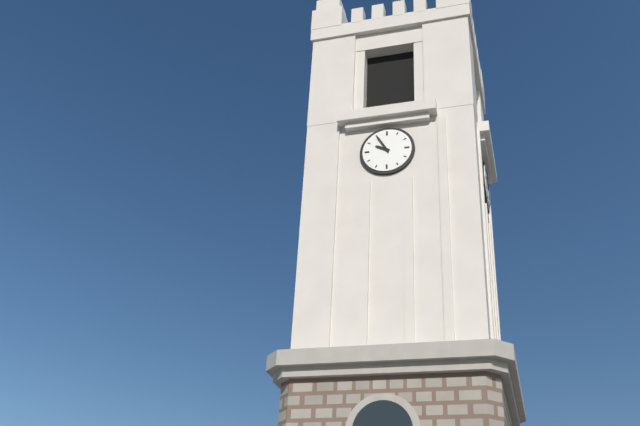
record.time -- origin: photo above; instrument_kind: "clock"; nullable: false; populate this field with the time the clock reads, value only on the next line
9:55
